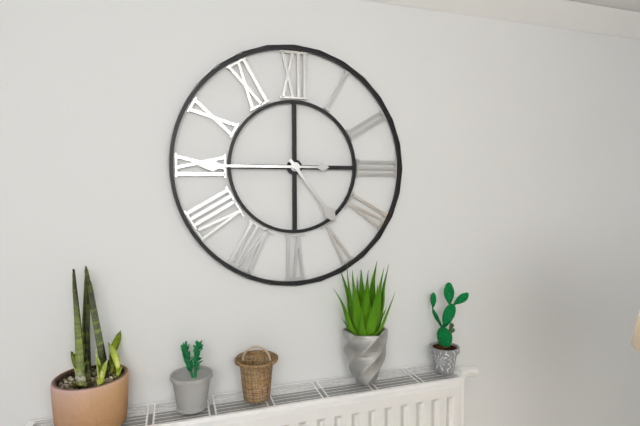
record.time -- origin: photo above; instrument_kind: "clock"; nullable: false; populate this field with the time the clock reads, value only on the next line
4:45
